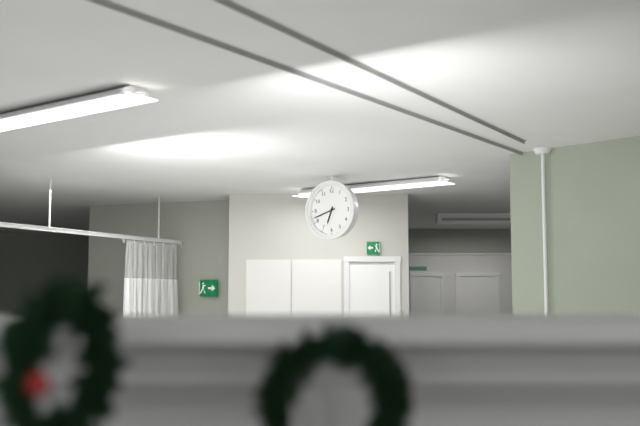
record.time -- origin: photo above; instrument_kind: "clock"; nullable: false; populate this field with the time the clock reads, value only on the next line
6:42
